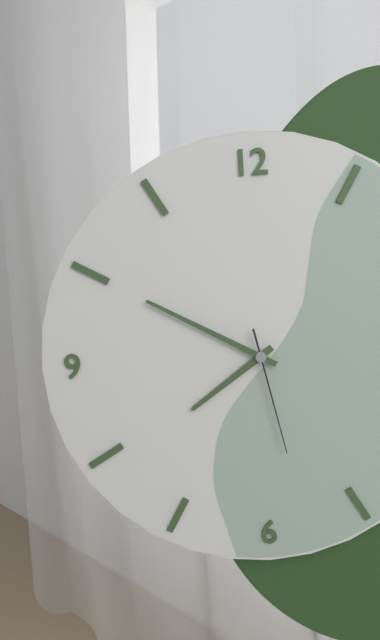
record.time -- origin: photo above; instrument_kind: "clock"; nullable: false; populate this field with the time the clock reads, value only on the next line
7:50:28
